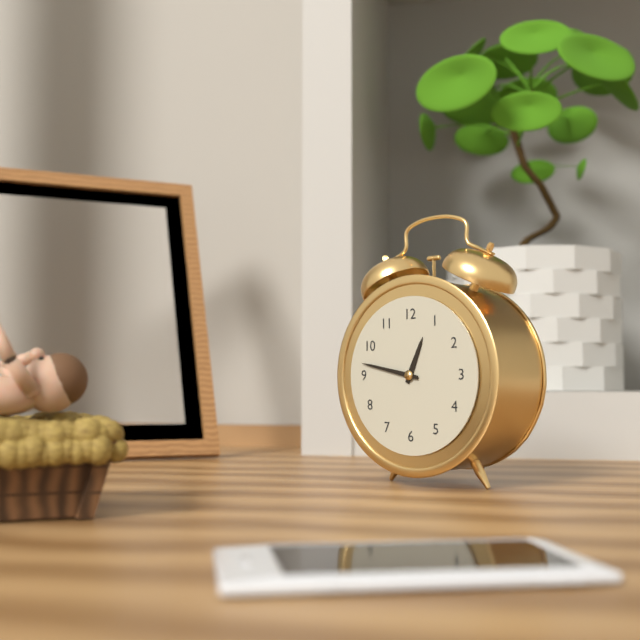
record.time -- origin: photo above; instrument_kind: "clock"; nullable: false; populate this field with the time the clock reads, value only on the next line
12:47
